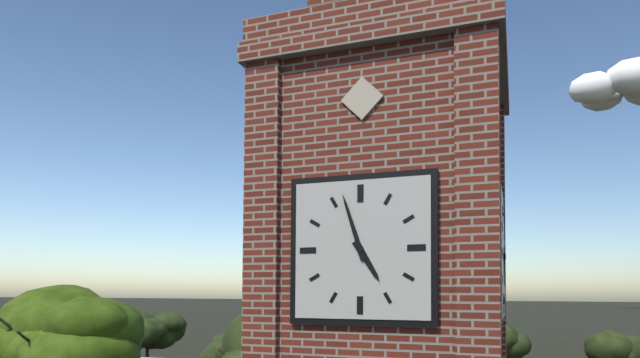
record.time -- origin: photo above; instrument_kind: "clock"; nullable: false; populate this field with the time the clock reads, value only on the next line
4:57
